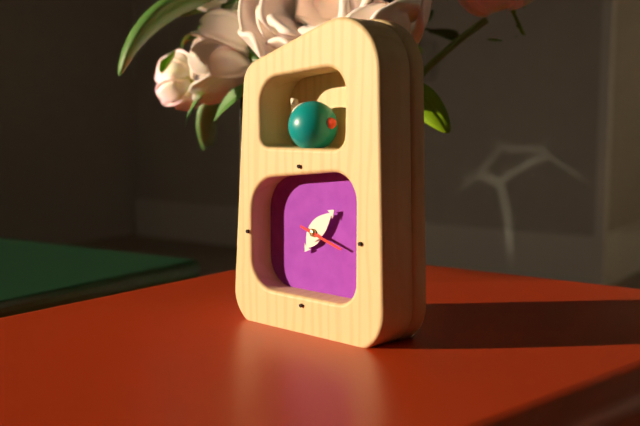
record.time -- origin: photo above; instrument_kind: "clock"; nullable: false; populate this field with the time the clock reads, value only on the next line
7:08
